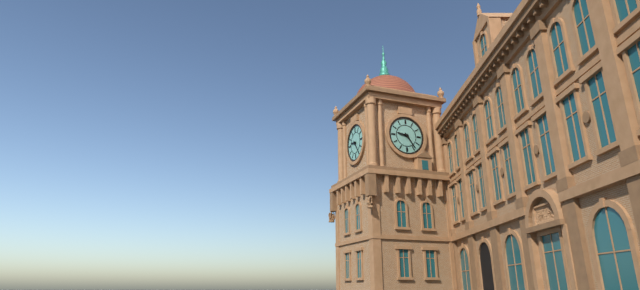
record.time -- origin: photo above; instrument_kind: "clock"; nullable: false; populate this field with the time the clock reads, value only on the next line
9:24
